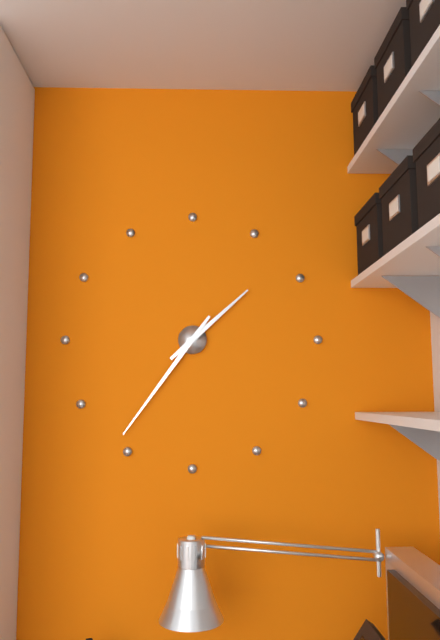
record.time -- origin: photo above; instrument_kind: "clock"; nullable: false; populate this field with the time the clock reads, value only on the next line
1:36
